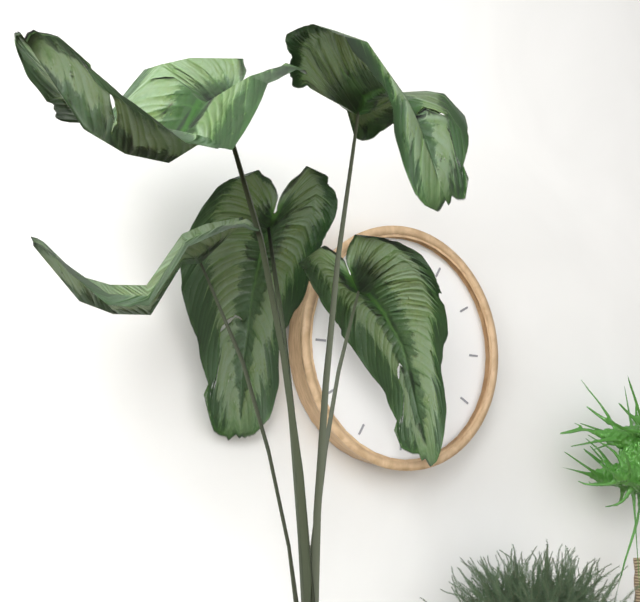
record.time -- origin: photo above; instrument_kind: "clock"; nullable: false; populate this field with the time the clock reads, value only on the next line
10:28
